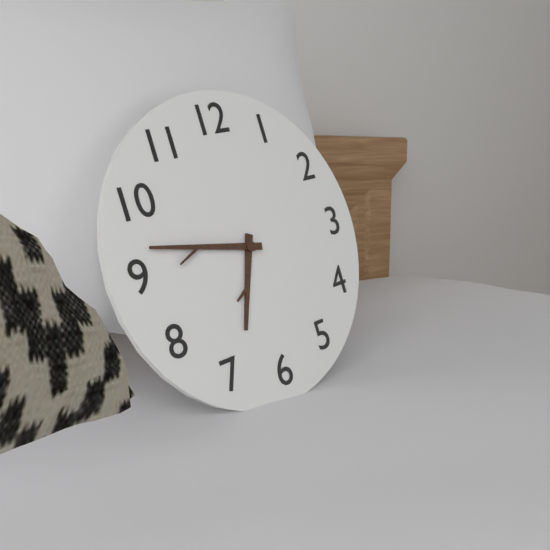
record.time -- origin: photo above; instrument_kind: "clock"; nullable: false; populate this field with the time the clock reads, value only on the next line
6:47
